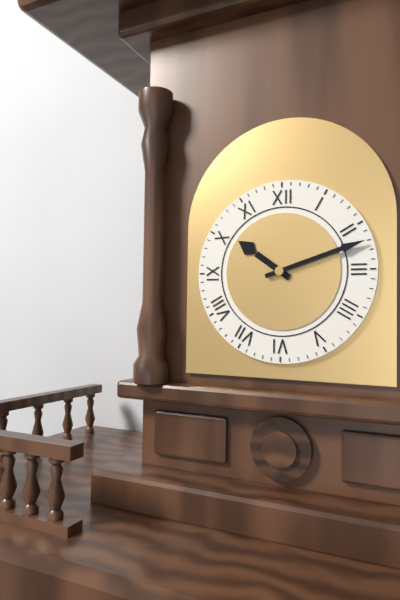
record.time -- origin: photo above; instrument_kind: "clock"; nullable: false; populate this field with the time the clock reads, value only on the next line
10:12
